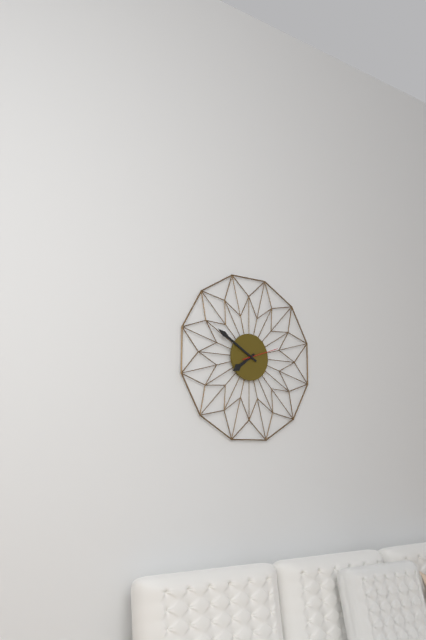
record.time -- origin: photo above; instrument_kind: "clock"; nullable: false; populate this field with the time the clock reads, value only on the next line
7:50
